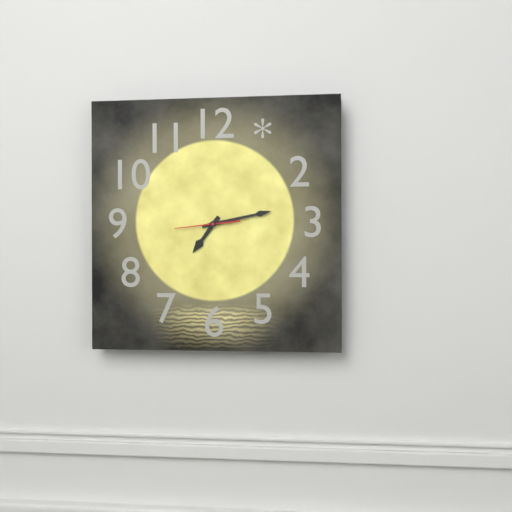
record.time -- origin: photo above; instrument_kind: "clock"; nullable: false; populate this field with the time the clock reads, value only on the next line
7:13
